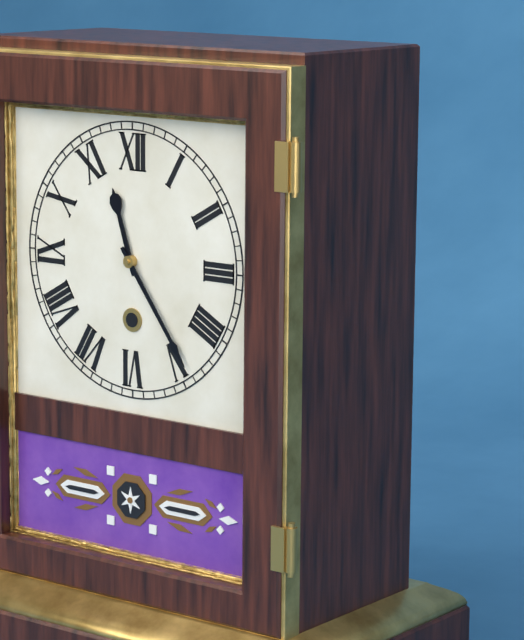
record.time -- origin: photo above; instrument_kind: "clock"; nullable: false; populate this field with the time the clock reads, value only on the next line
11:24
